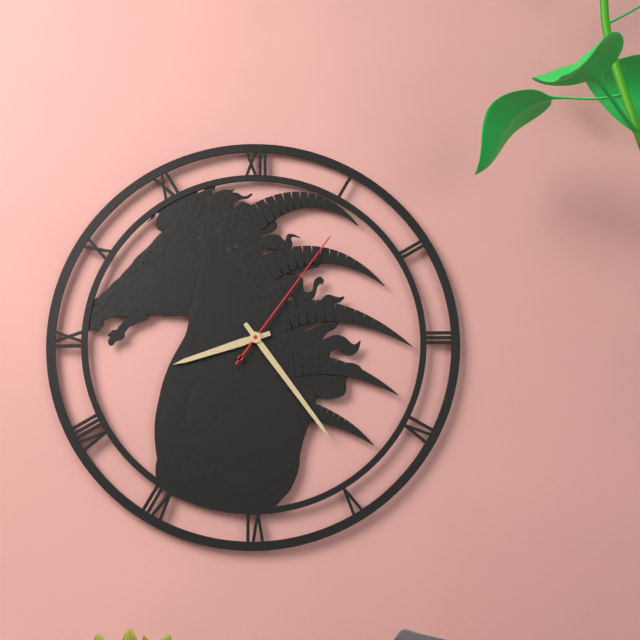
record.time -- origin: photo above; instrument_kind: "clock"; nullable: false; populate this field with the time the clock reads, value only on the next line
8:24:06
